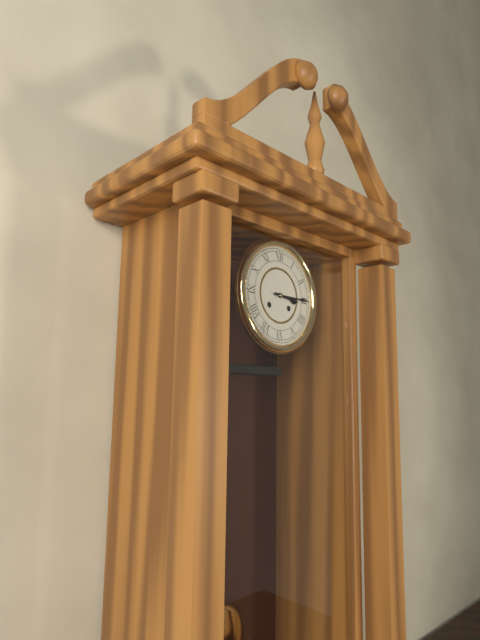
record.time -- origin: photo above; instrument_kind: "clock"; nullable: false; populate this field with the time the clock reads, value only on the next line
3:15
